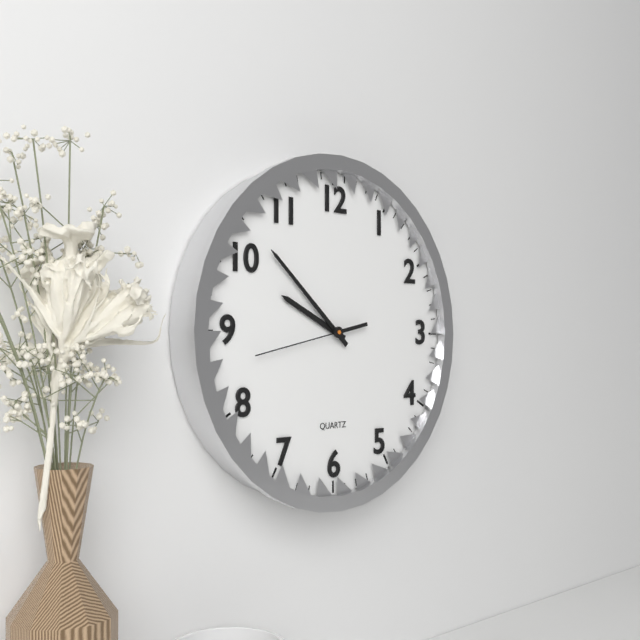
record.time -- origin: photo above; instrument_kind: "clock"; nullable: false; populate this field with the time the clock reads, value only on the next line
9:52:43
